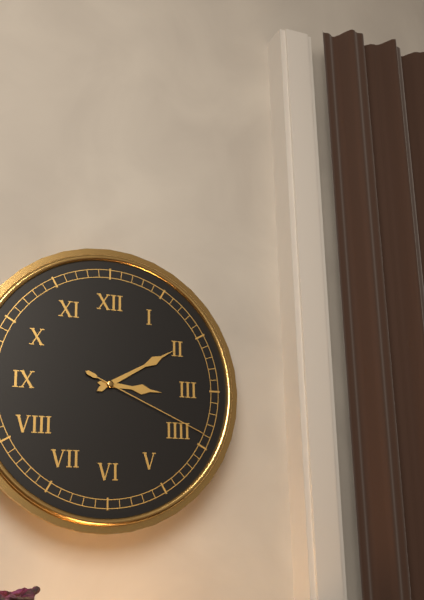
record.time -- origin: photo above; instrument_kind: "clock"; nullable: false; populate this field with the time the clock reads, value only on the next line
3:10:19
